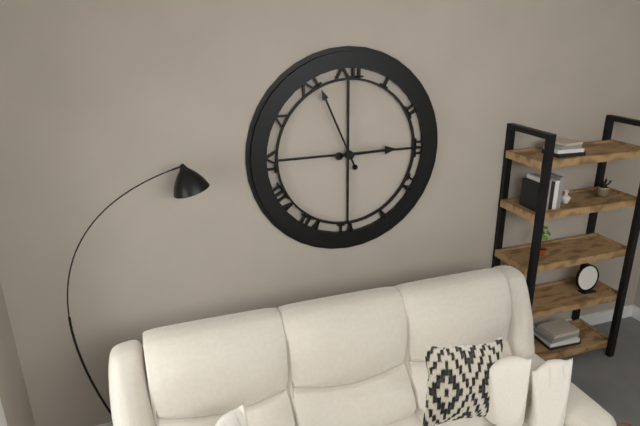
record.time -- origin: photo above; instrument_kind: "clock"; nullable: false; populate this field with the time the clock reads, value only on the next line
2:56
